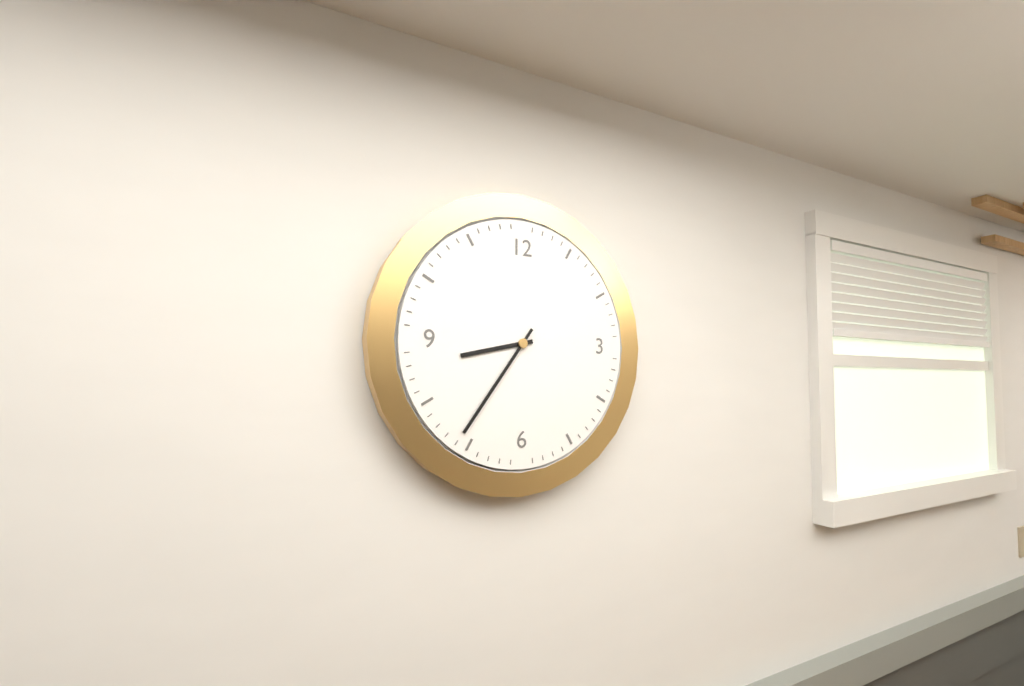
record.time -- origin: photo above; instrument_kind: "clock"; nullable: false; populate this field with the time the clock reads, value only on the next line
8:36
